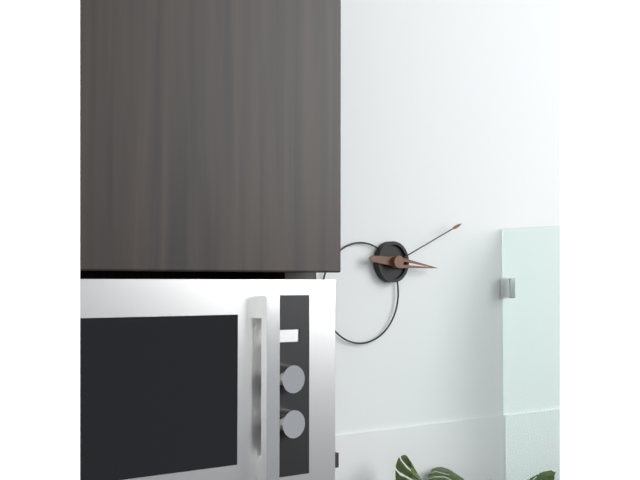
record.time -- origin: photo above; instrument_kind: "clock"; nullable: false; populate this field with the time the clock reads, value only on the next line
3:11
